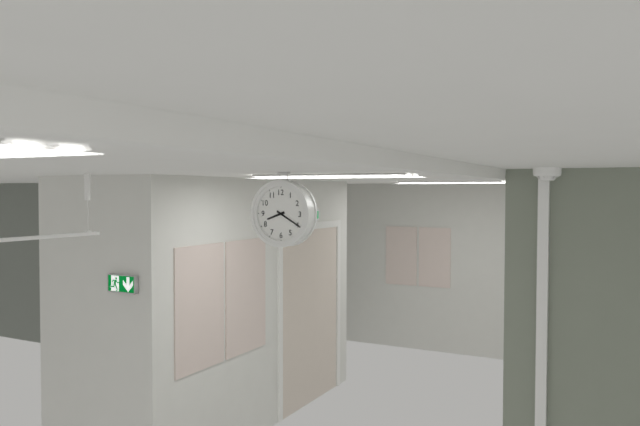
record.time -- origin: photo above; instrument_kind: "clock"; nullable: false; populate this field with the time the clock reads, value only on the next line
8:20
